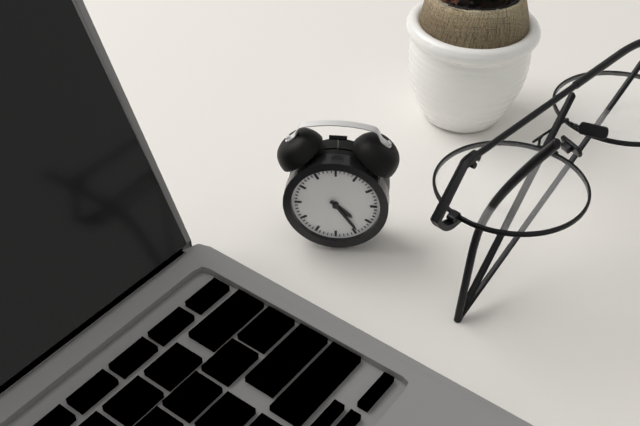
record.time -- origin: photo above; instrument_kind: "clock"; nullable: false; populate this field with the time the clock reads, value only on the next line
4:24
